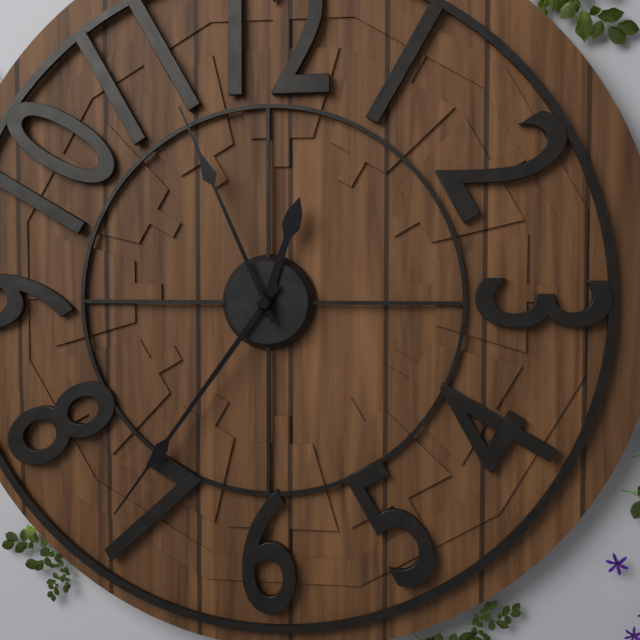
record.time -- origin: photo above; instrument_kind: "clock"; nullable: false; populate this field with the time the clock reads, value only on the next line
12:36:56
